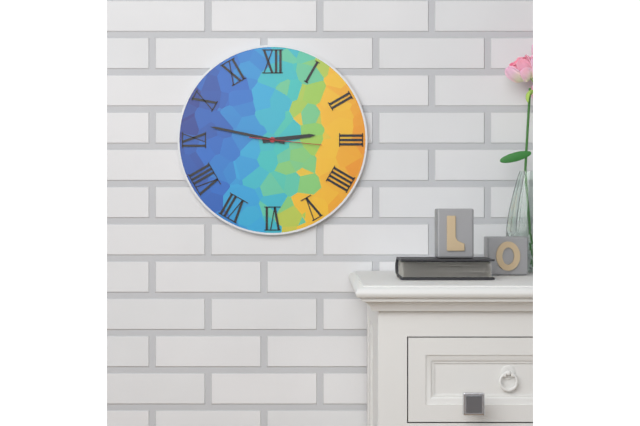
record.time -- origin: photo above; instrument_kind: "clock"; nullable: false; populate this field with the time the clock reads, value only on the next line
2:47:16
